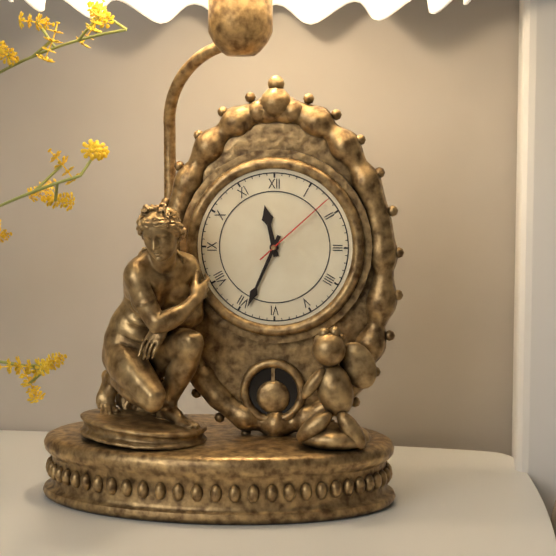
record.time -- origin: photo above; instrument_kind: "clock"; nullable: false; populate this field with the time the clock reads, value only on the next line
11:34:08
